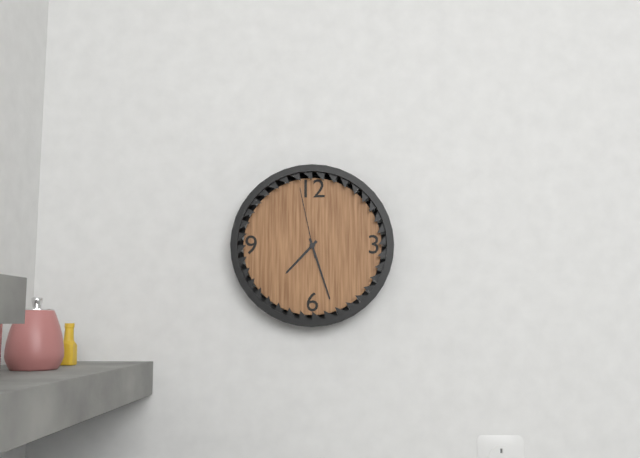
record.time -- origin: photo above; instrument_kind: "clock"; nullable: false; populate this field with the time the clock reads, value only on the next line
7:27:58
